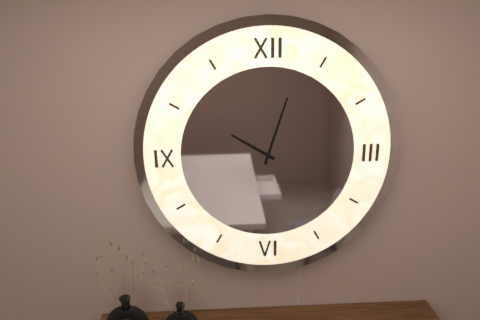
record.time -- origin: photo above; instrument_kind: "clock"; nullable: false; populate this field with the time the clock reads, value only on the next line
10:03
